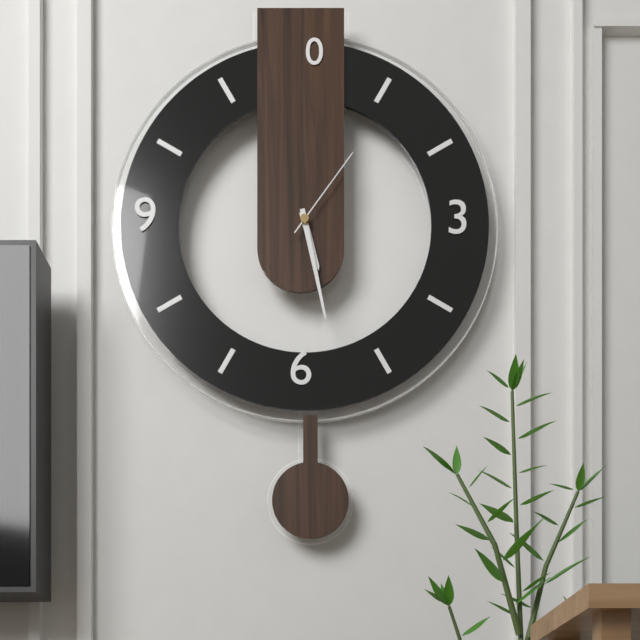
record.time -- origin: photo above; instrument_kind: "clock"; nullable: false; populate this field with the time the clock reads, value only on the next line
5:28:06
